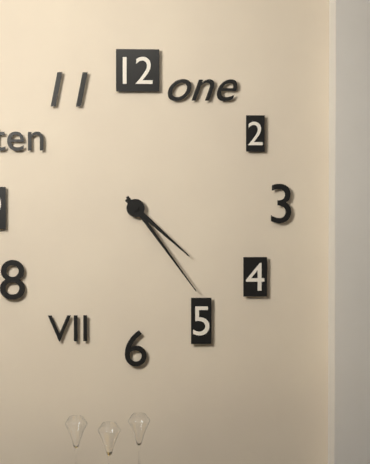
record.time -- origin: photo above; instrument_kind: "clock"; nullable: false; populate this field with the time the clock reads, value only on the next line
4:24
